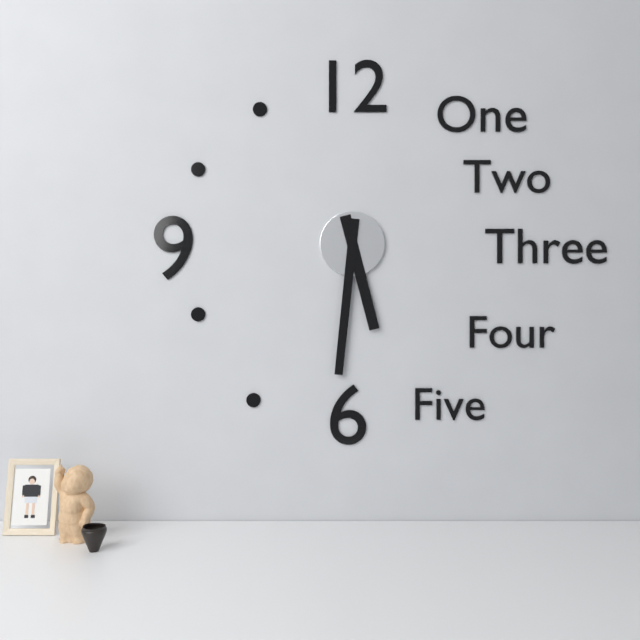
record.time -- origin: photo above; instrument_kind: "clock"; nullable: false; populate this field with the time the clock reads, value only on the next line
5:31
